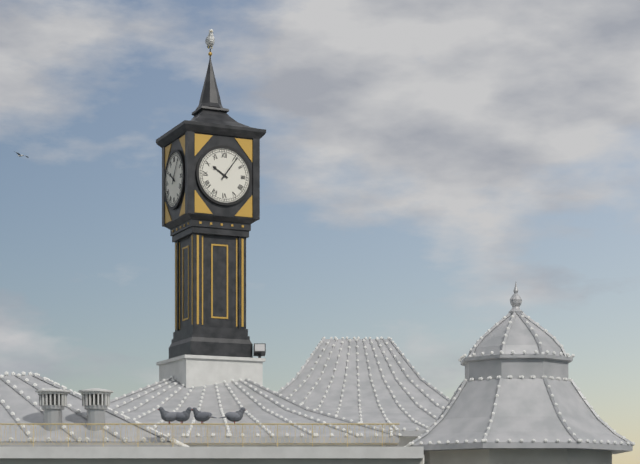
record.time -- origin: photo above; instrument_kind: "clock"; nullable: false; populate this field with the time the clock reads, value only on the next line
10:06
